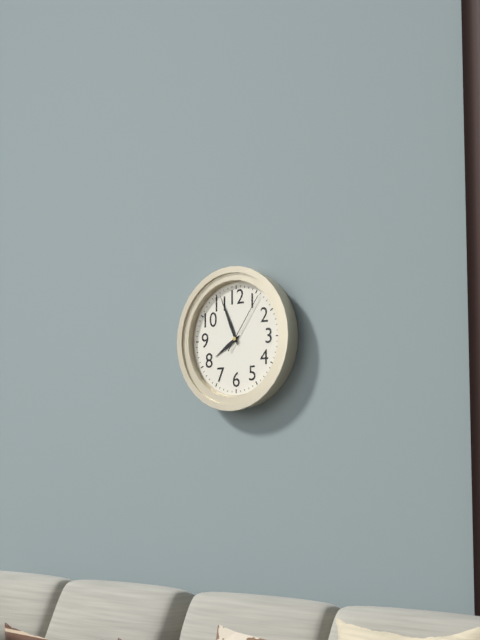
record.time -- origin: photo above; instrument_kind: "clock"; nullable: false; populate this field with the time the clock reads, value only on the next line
7:56:06
